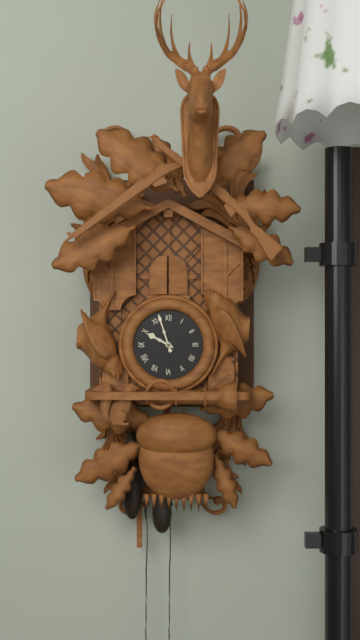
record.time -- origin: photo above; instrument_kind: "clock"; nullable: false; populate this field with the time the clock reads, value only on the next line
9:57
